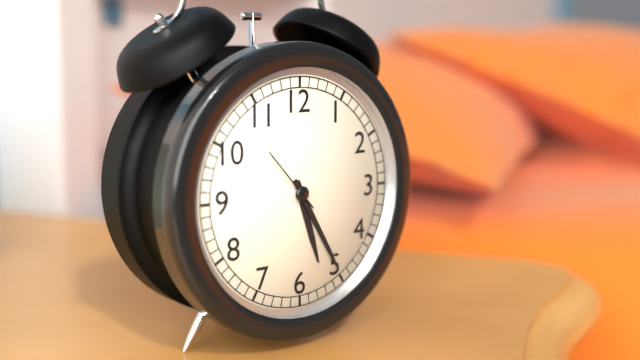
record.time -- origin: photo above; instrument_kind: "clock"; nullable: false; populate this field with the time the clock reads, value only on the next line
5:25:53
